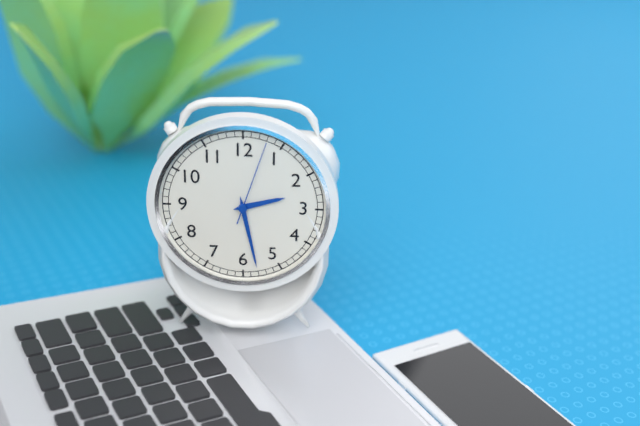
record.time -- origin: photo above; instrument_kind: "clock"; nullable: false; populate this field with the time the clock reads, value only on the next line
2:28:03
